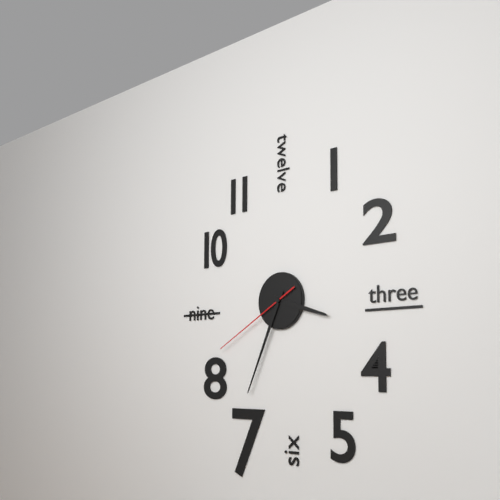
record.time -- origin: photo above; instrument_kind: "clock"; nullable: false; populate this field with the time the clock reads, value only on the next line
3:34:40
